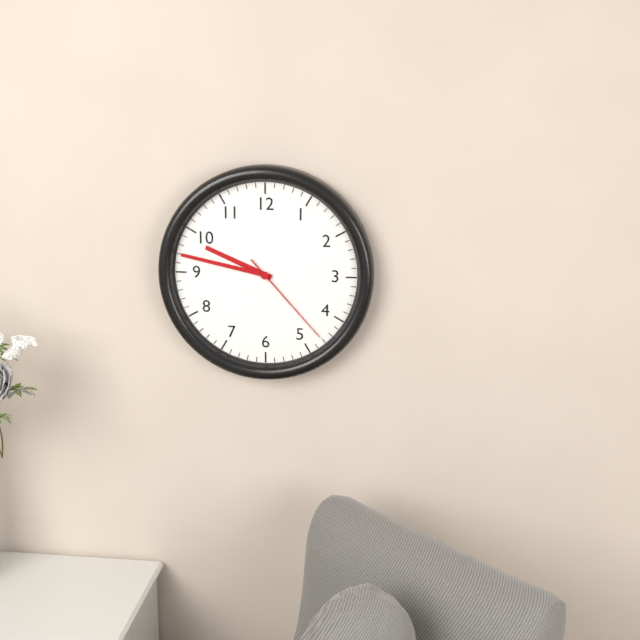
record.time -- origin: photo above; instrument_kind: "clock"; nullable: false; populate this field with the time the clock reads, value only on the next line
9:47:23
